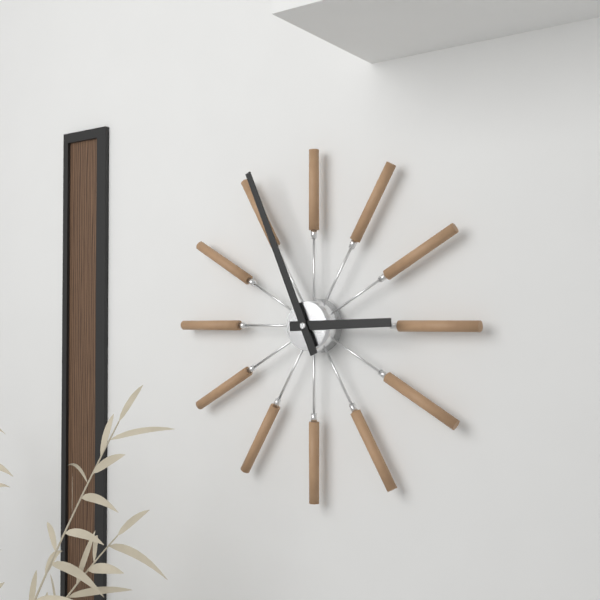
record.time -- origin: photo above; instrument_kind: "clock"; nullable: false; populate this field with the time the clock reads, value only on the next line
2:56
